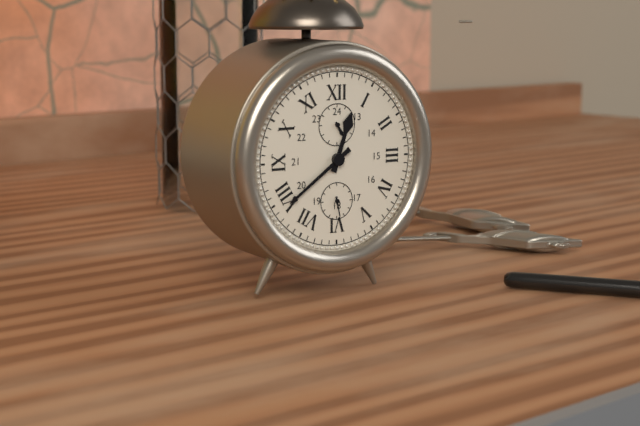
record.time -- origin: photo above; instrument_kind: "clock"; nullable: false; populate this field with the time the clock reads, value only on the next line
12:39:28
